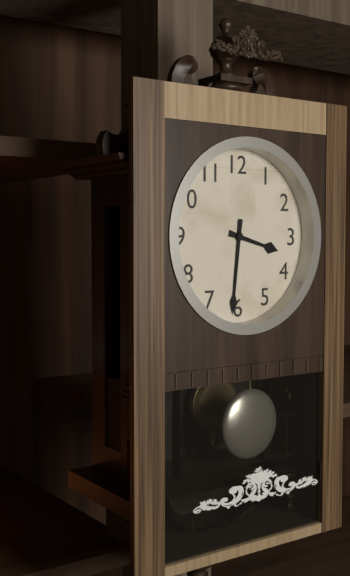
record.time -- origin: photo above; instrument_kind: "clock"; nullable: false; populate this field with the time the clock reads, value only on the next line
3:31
